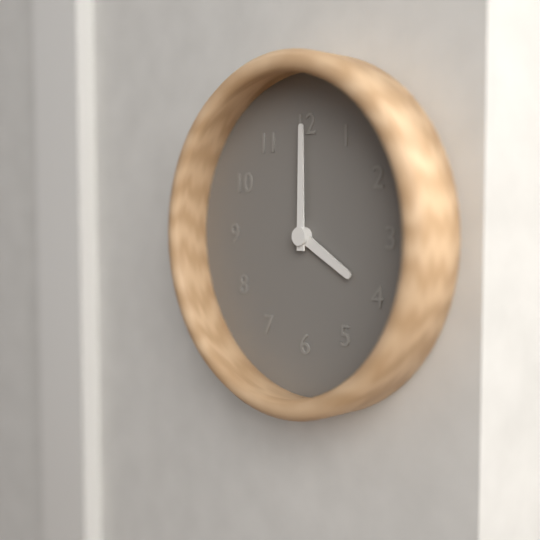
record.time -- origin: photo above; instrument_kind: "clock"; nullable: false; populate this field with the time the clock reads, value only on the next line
4:00
